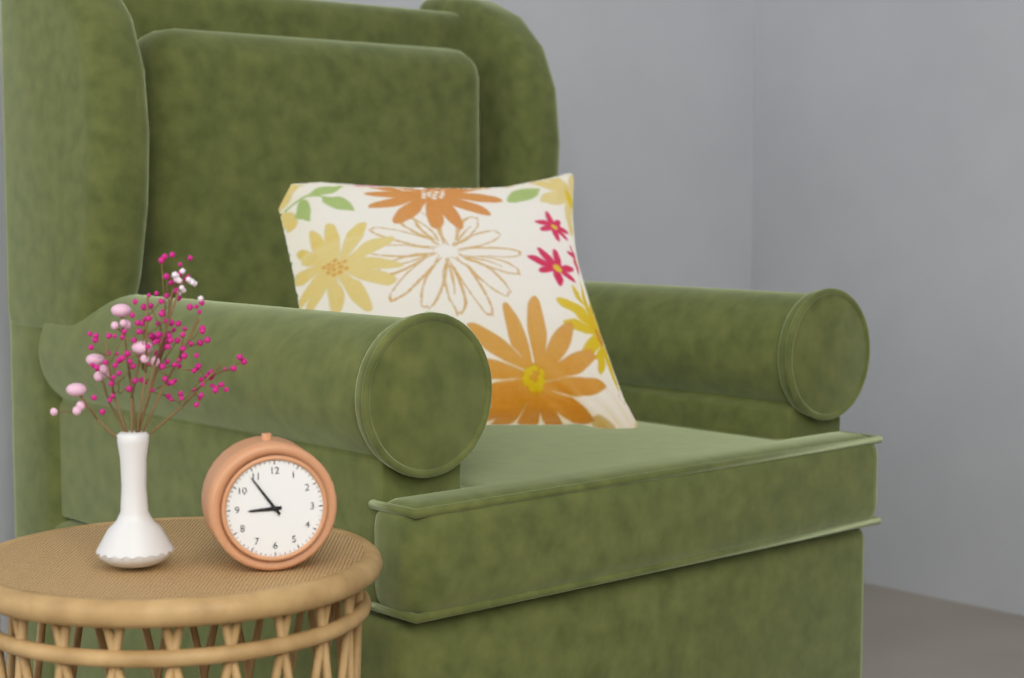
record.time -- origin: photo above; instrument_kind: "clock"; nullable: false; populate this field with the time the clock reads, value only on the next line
8:54
